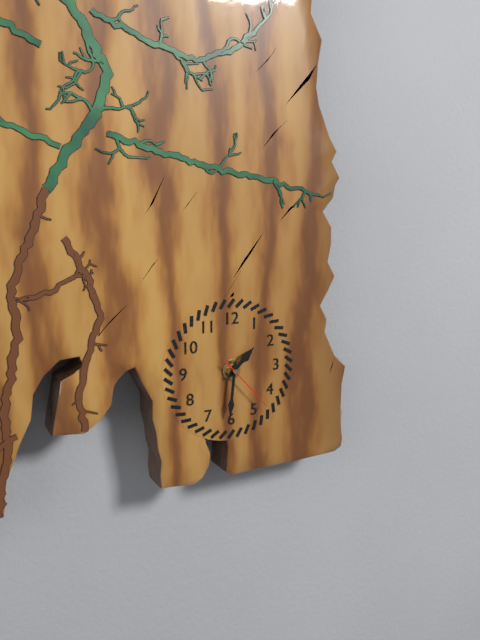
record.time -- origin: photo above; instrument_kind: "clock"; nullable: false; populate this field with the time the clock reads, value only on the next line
1:31:23
